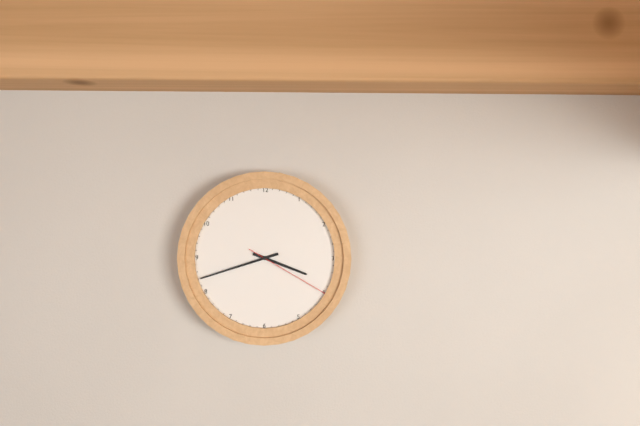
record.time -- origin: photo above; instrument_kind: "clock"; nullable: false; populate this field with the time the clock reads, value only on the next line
3:42:20
